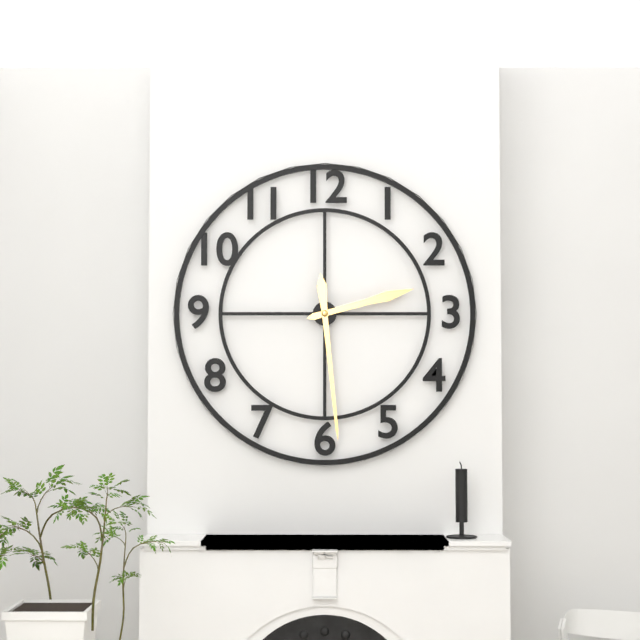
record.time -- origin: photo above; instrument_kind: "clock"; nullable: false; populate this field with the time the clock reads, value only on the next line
2:29
